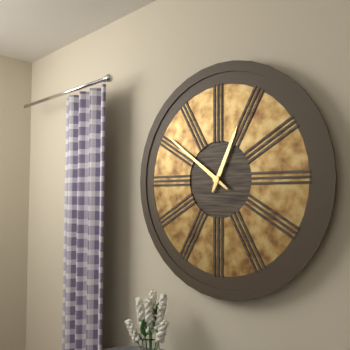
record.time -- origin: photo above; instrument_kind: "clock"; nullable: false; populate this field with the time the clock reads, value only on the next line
12:51
